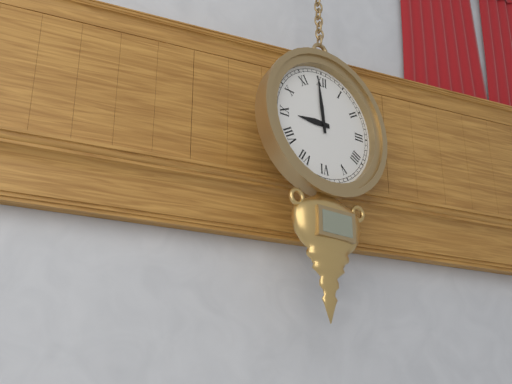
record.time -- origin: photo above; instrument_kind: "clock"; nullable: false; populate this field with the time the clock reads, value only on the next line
8:59
